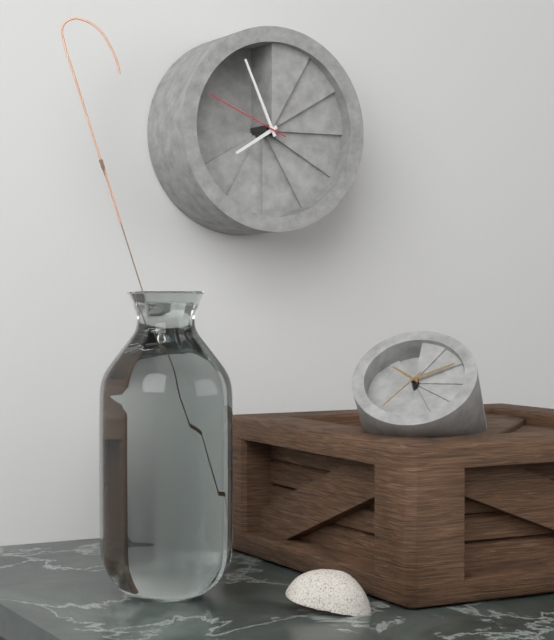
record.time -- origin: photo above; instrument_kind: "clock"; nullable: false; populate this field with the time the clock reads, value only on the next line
7:56:49
